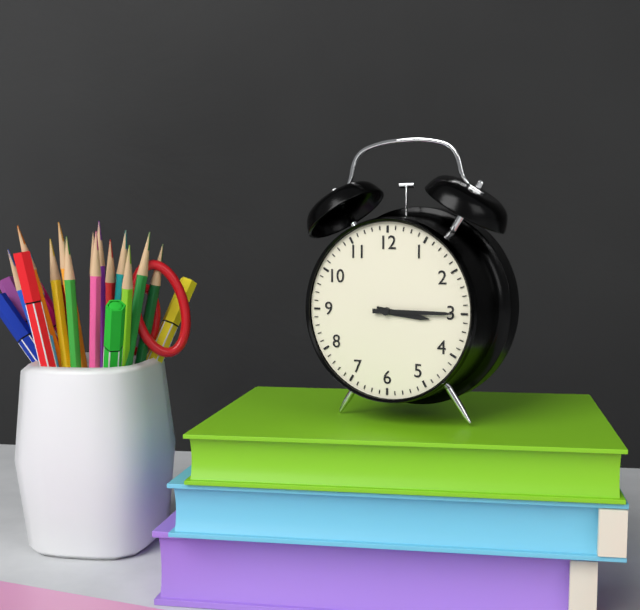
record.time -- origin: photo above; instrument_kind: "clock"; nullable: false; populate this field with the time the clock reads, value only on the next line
3:15
